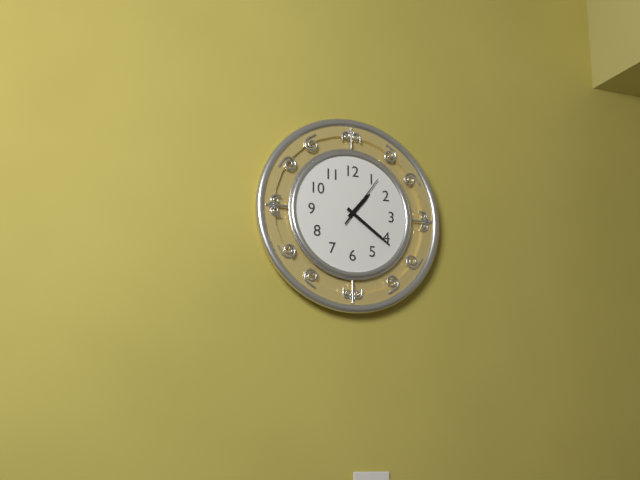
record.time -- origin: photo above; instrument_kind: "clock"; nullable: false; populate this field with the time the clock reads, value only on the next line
1:21:06
